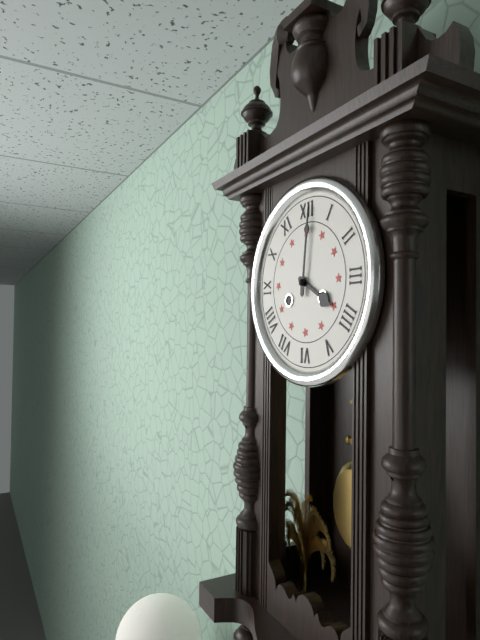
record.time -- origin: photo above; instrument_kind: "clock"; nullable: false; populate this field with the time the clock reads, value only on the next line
4:01
